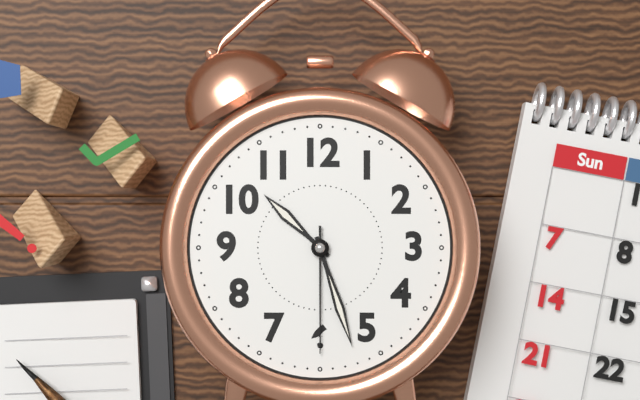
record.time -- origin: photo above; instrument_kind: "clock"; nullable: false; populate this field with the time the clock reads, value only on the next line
10:27:30
